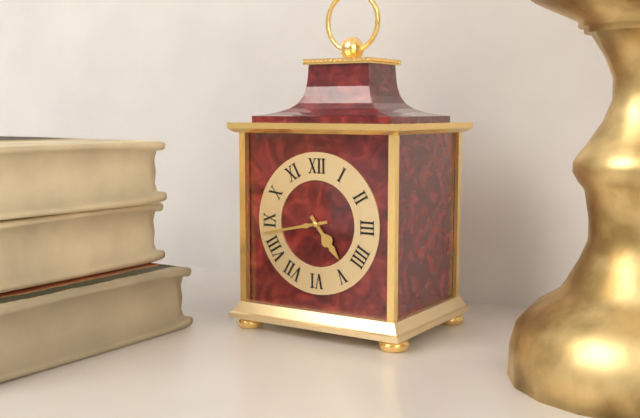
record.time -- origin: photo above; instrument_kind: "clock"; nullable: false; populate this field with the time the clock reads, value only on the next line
4:43
